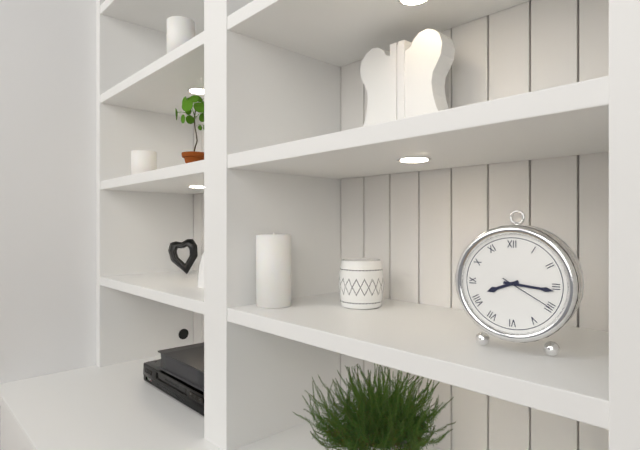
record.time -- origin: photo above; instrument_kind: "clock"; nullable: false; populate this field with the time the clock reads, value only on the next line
8:16:20
